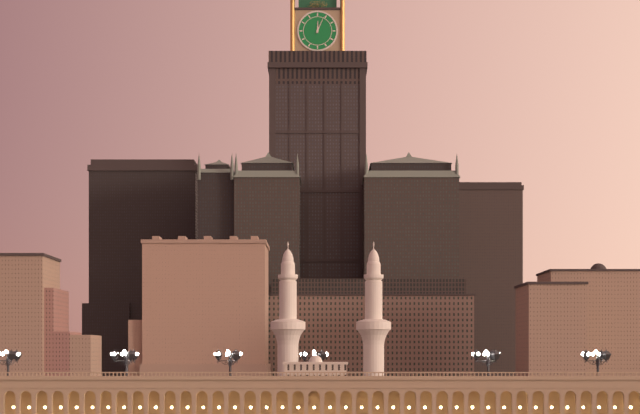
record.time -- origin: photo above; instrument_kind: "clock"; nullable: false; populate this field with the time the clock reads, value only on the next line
12:04
